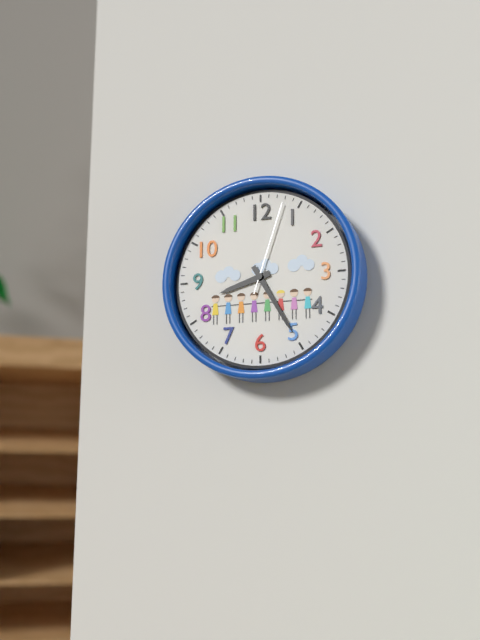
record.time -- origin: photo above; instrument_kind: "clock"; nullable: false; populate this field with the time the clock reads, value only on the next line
8:25:03
